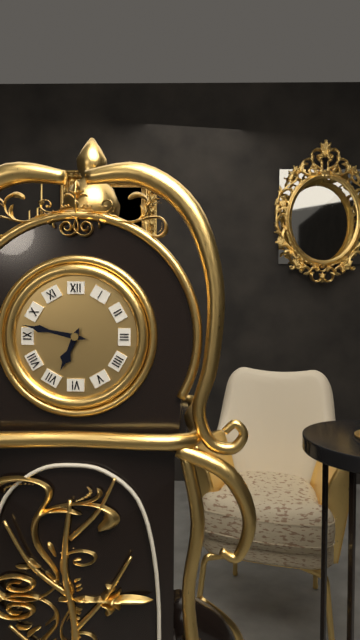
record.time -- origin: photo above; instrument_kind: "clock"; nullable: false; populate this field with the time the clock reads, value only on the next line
6:47
